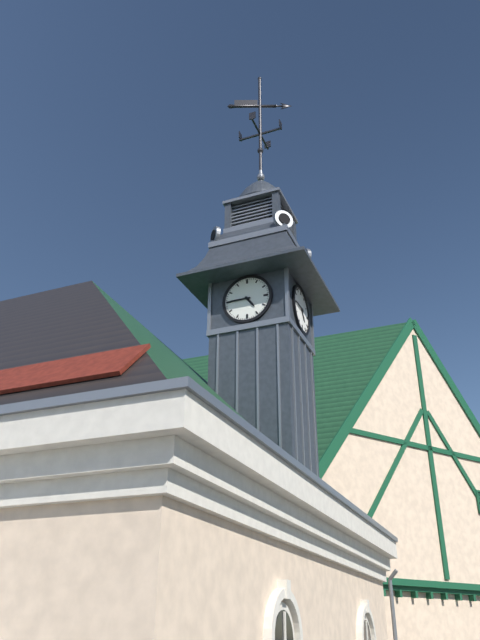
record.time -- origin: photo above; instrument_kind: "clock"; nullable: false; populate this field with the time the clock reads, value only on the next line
4:45
